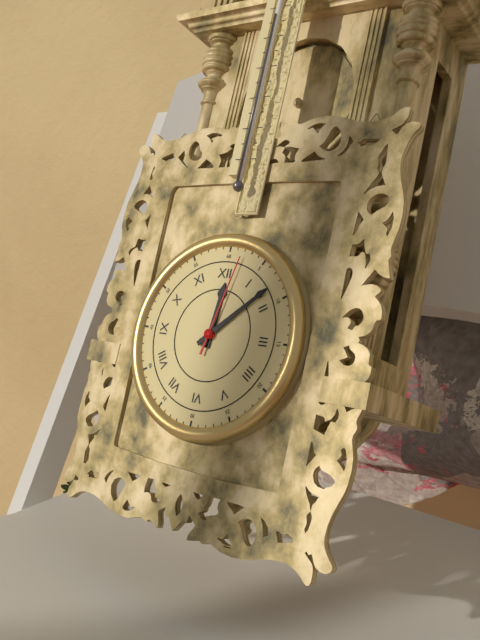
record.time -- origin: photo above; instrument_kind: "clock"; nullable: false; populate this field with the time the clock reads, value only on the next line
12:08:02
